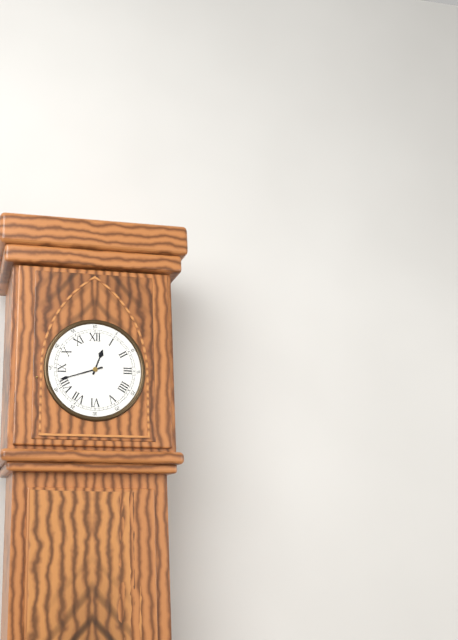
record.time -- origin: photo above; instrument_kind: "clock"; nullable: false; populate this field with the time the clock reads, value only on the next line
12:42
